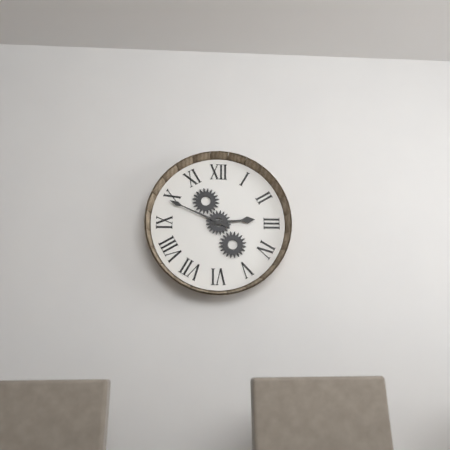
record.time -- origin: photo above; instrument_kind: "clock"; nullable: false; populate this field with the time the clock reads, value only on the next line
2:49
